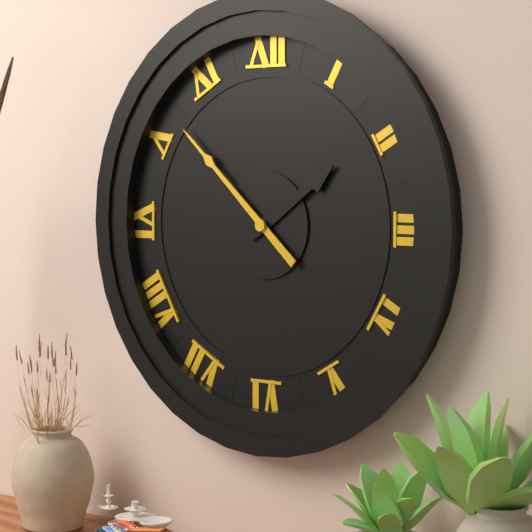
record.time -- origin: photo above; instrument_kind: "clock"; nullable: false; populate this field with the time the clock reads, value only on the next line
1:52
